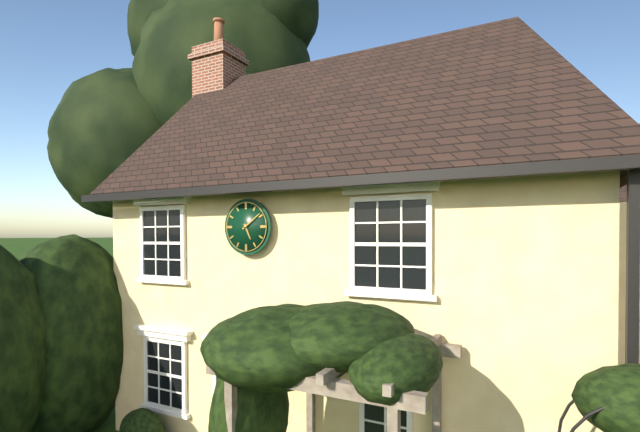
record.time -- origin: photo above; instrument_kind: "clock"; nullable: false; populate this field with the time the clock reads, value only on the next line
5:09
